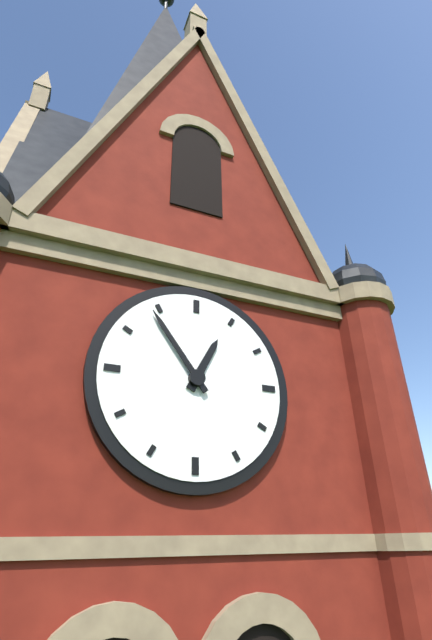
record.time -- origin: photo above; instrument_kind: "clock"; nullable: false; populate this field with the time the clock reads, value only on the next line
12:54
